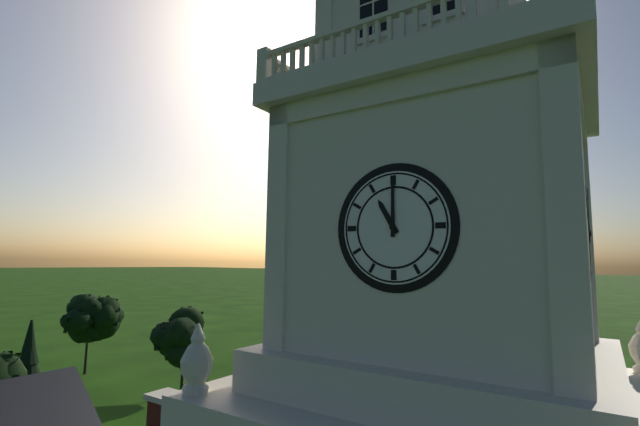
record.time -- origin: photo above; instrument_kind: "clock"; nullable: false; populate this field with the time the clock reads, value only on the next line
11:00
